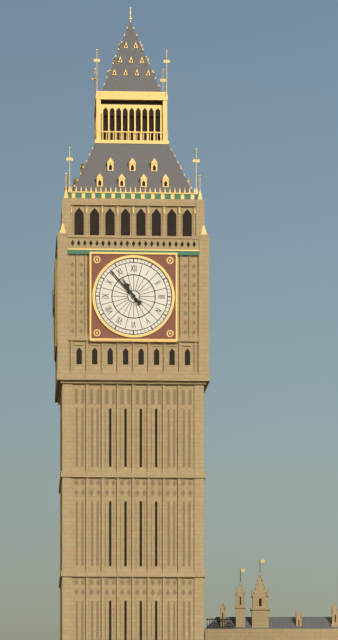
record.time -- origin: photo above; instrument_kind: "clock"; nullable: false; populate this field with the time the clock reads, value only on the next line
10:53
